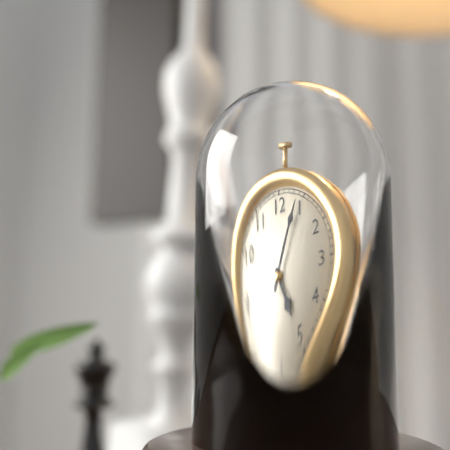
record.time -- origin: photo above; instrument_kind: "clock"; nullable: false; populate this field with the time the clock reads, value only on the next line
5:04
